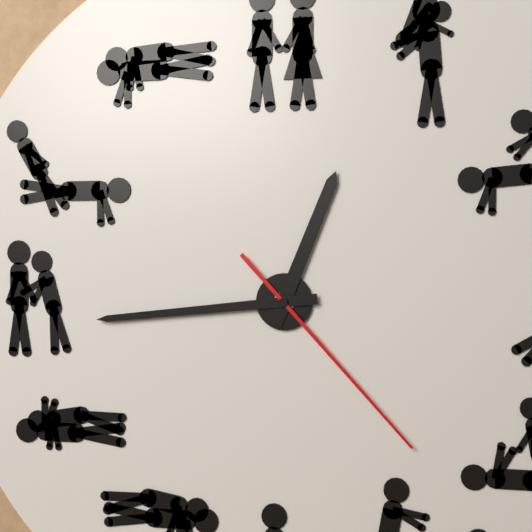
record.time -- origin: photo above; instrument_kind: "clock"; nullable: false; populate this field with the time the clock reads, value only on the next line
12:44:23
